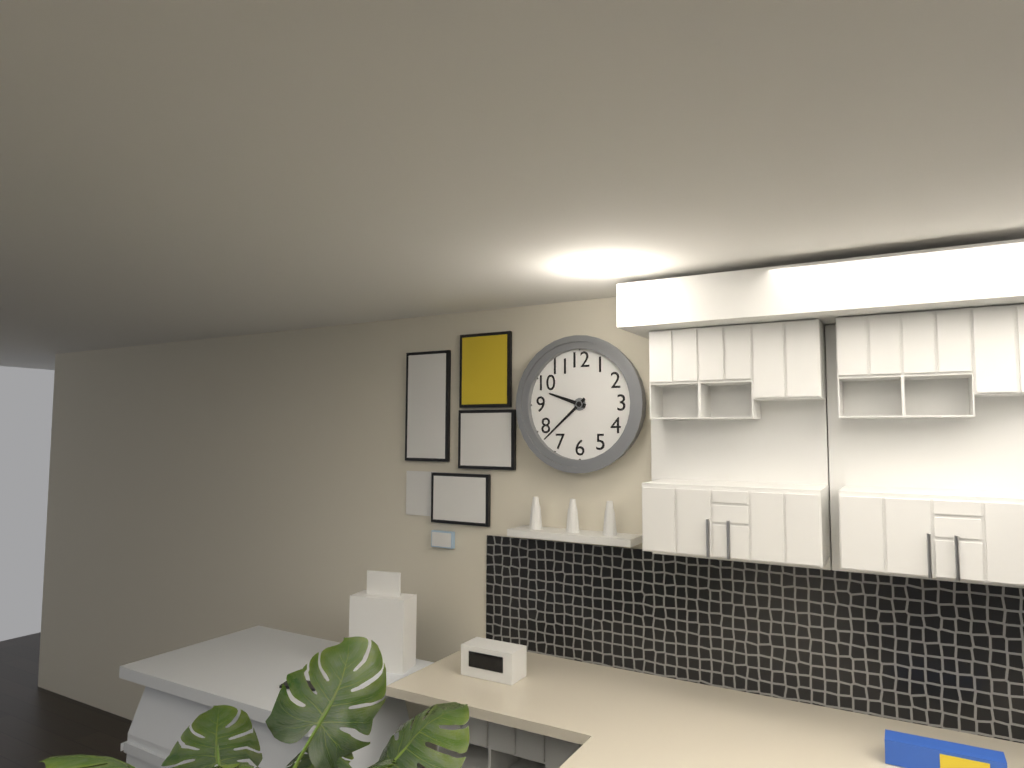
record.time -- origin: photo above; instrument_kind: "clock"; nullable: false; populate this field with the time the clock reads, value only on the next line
9:38
